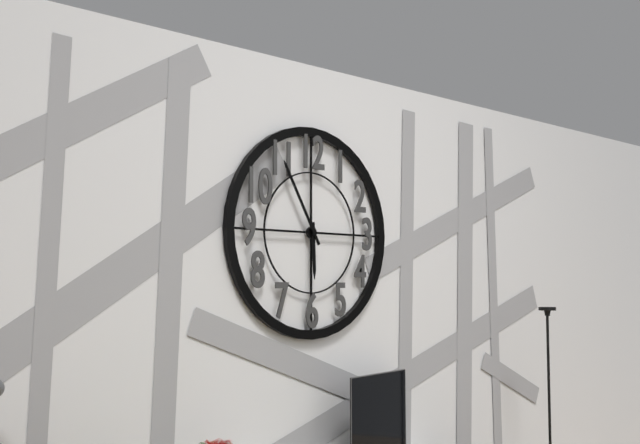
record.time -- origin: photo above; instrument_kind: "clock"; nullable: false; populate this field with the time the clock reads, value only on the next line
5:55
